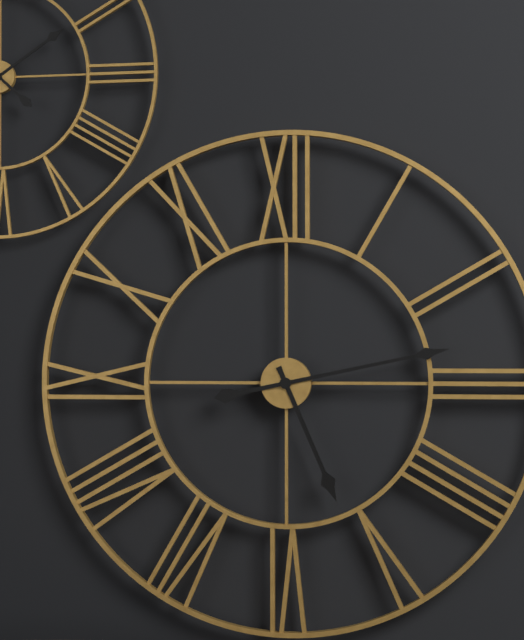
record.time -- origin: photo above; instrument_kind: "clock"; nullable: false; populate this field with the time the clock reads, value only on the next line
5:13
